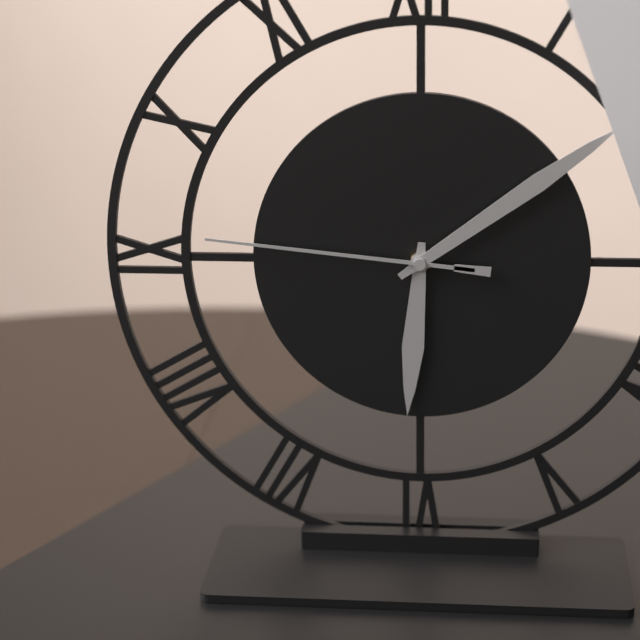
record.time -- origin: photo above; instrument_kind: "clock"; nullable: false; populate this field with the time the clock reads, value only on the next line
6:09:46
